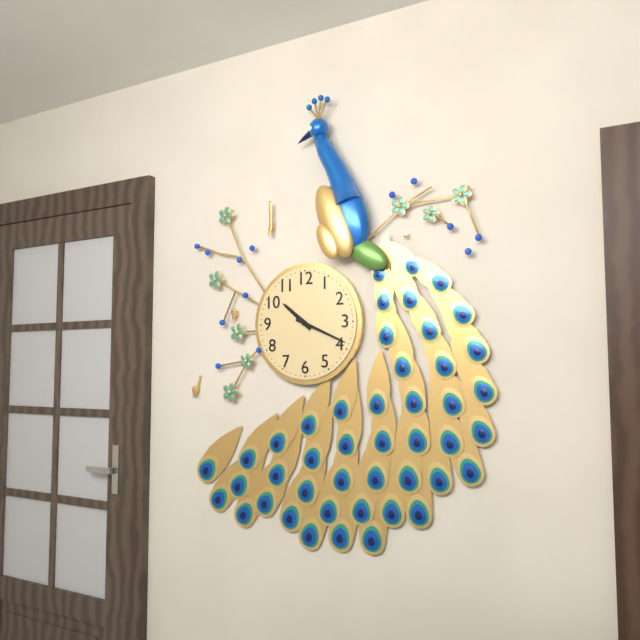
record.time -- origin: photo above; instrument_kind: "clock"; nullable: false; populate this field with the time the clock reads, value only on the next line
10:19
